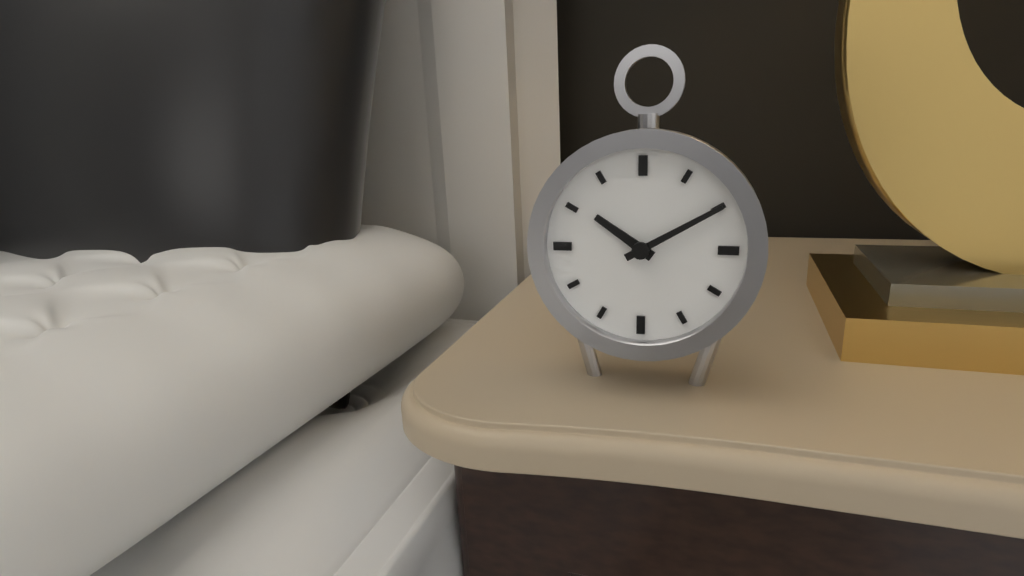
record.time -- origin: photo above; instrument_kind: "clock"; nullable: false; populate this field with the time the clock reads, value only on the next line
10:10
